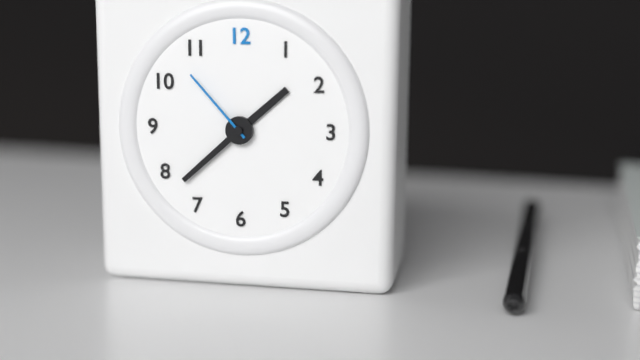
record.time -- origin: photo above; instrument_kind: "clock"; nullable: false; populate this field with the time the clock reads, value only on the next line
1:38:53
